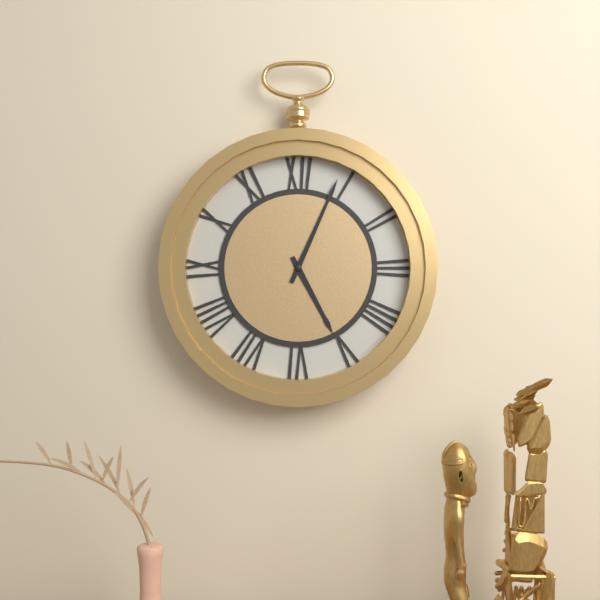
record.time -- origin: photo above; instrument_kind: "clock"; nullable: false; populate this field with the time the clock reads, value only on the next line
5:04
